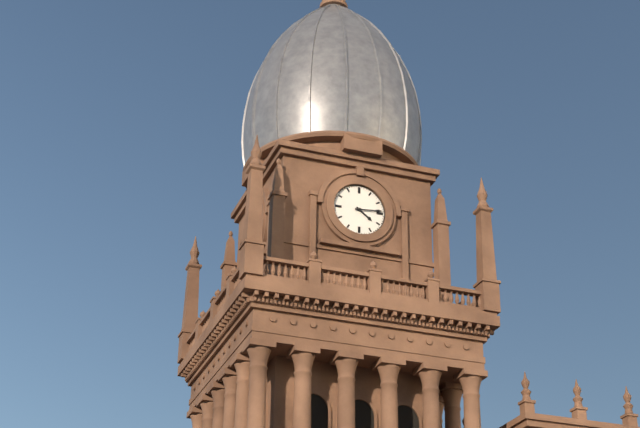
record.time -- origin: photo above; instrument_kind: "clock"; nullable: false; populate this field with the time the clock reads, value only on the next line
4:14
